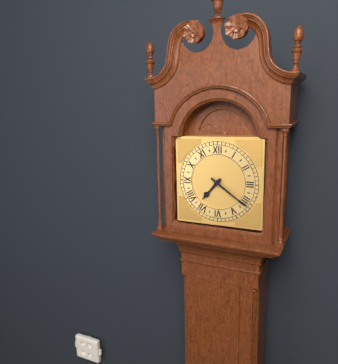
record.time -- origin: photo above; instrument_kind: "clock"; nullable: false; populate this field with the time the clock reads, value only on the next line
7:21
